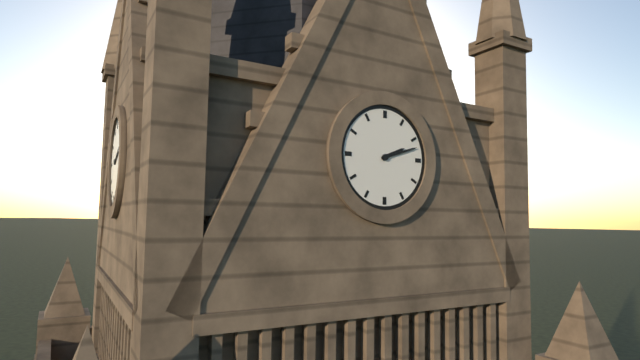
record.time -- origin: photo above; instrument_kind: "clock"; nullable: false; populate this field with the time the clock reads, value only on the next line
2:12
